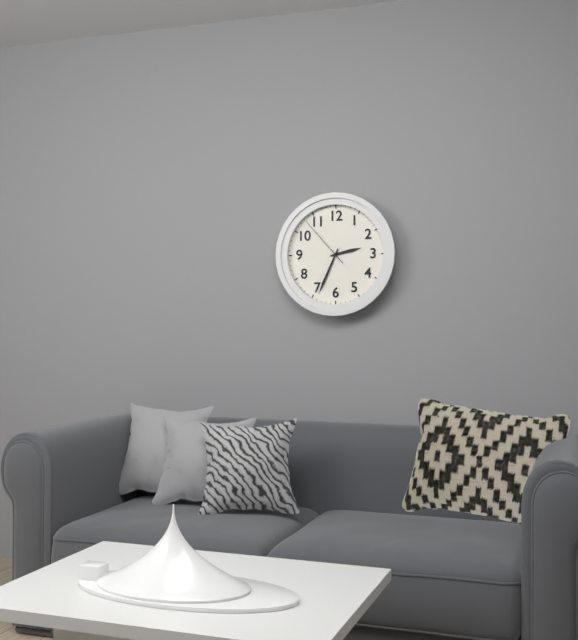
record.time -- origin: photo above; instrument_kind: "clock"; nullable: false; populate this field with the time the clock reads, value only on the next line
2:34:53
